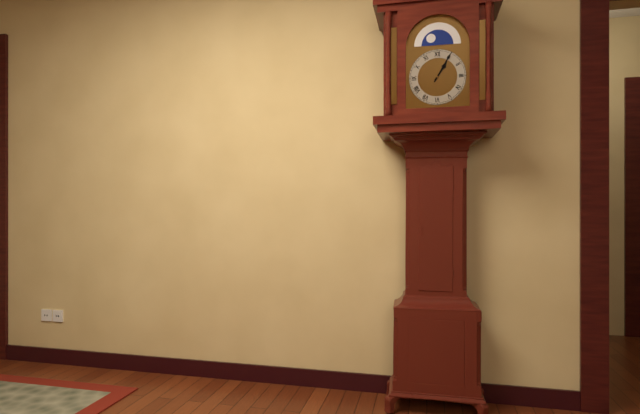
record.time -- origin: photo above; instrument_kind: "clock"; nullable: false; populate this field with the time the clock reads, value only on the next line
1:05
